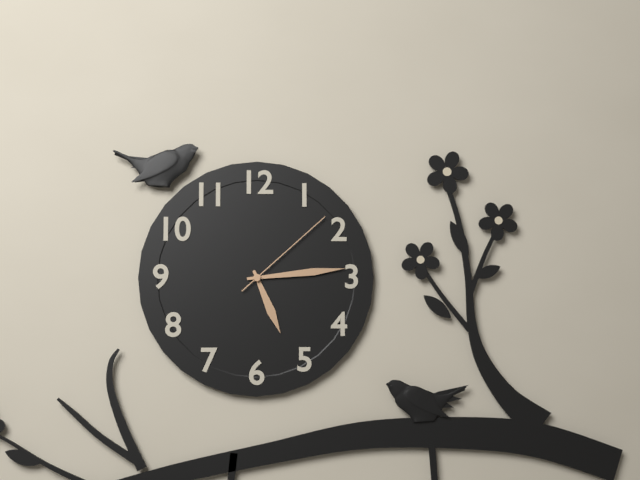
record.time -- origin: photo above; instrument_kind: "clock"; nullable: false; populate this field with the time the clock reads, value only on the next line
5:14:08
